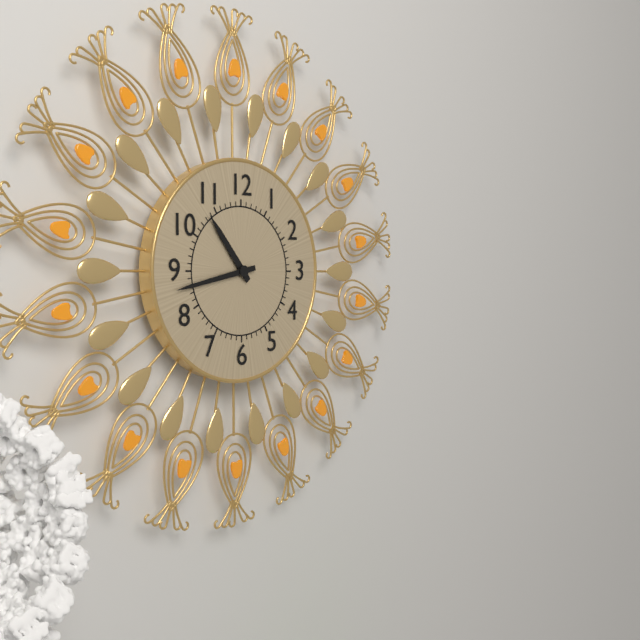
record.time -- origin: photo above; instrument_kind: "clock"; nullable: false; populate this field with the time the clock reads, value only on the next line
10:43
